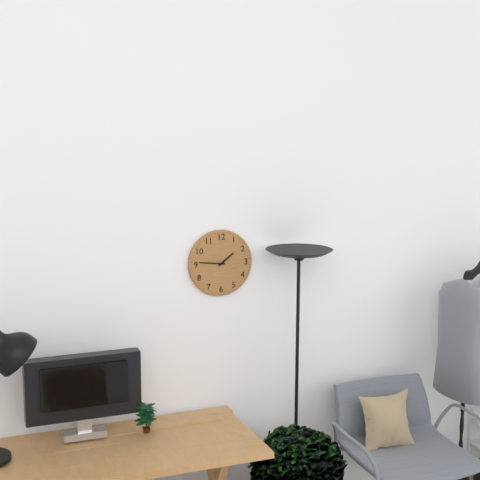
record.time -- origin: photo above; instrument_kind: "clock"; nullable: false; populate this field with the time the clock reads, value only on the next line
1:46
